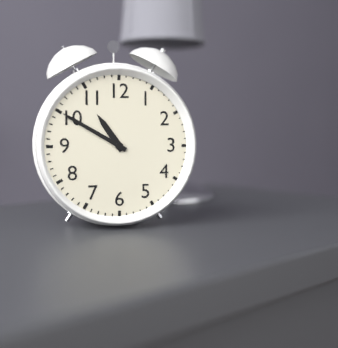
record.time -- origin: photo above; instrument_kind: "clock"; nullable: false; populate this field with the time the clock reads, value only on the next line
10:50
